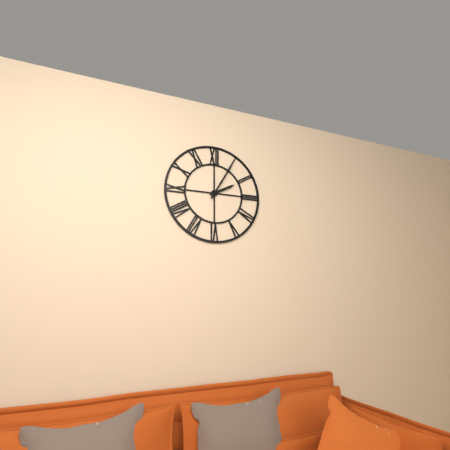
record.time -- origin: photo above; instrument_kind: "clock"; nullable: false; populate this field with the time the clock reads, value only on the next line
2:05
